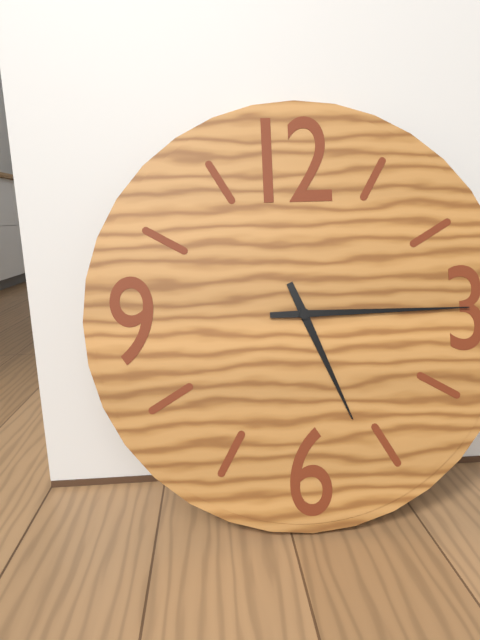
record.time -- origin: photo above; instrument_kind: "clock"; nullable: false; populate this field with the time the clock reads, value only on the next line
5:15
